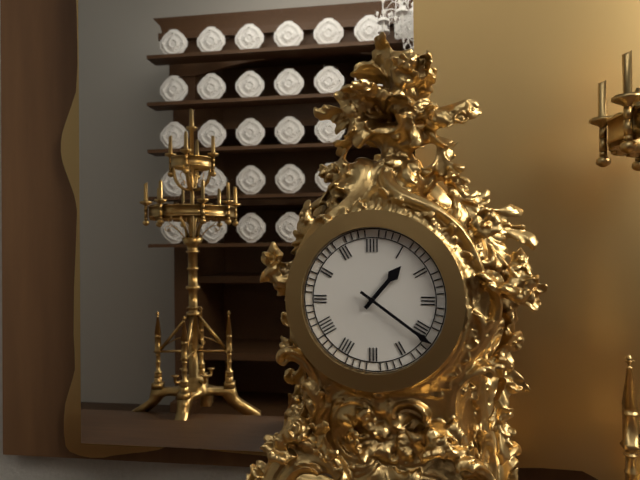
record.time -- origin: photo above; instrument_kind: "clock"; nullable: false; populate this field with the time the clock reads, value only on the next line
1:21
